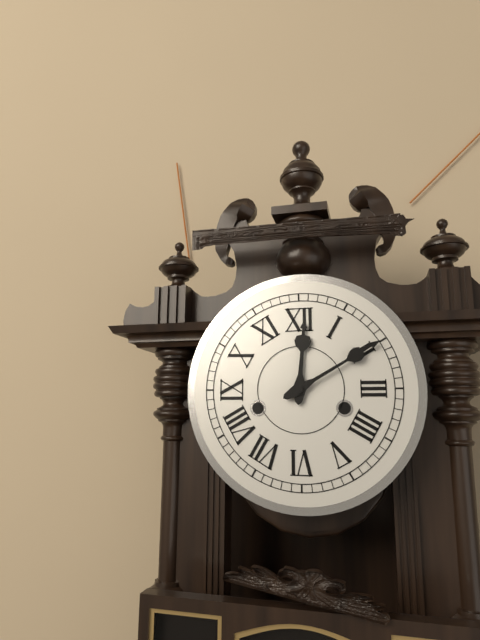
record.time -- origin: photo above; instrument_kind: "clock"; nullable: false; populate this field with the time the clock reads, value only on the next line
12:10
